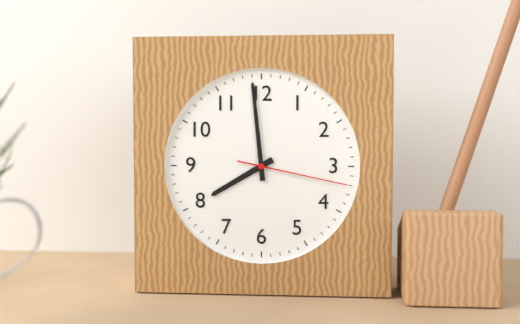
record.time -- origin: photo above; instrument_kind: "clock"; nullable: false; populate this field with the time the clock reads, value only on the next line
7:59:17
